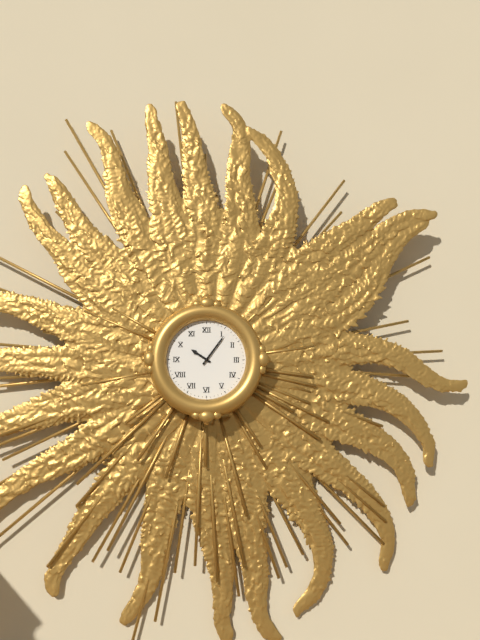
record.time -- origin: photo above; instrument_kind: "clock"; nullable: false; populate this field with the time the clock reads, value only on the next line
10:06
